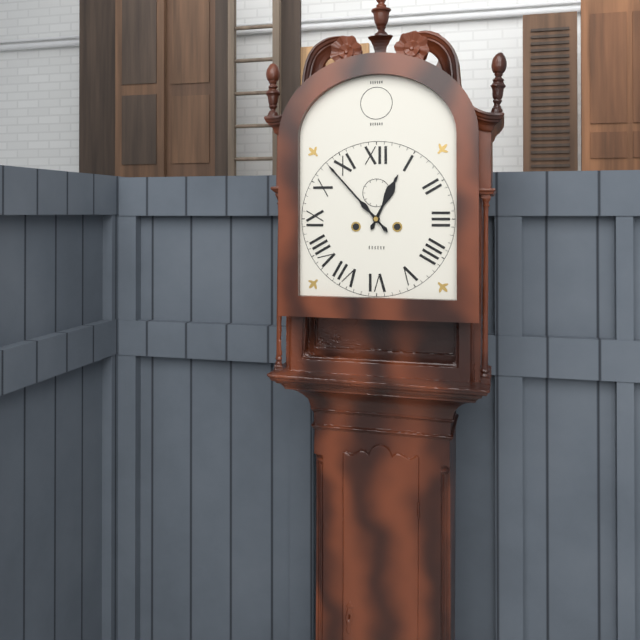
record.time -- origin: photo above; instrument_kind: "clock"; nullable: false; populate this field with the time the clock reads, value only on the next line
12:53
